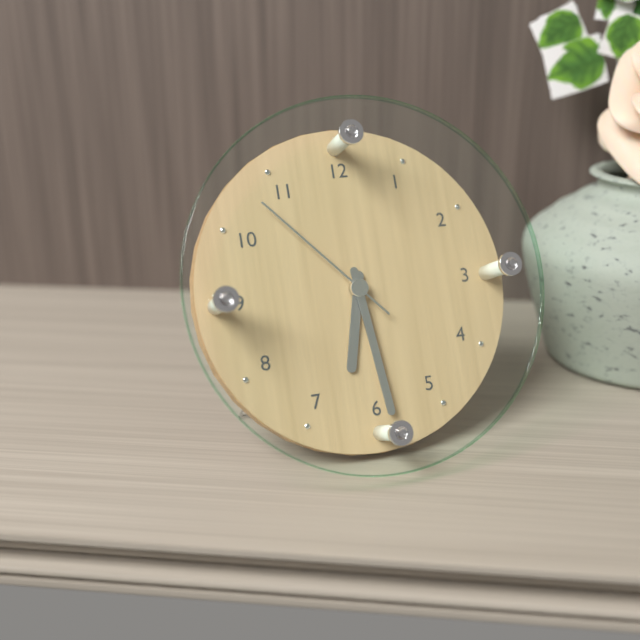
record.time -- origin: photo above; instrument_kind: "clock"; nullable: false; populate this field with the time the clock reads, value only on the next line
6:29:53
